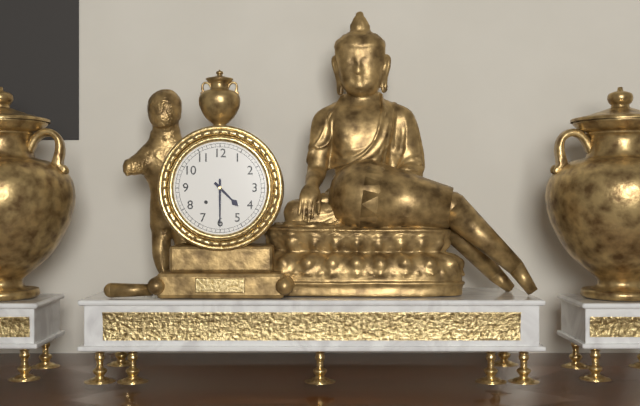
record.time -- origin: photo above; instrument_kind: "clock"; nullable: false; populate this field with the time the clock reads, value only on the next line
4:30
